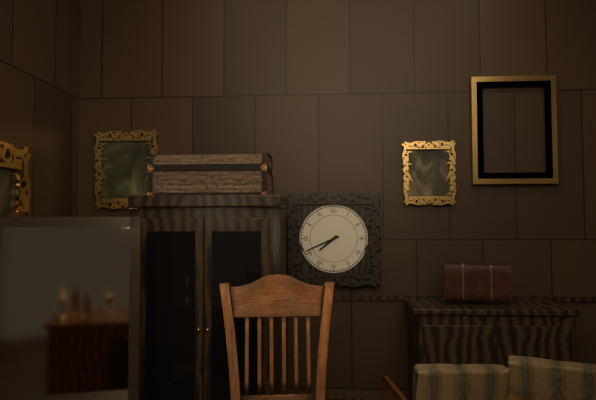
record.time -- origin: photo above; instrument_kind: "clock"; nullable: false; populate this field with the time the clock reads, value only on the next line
7:41
